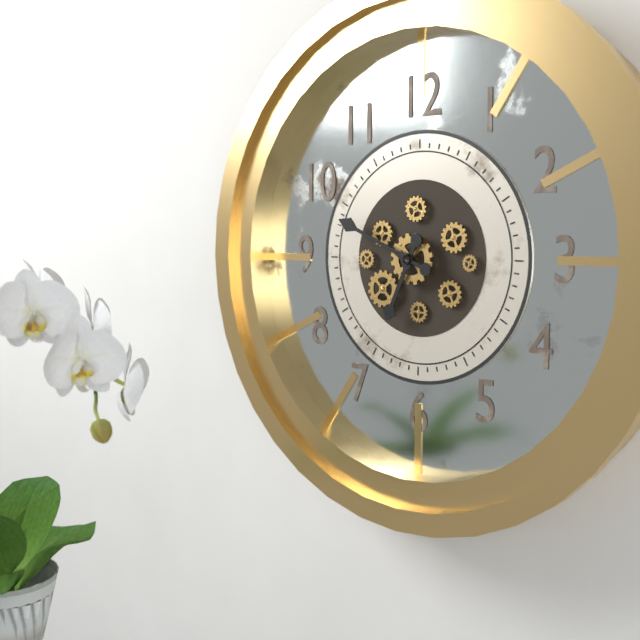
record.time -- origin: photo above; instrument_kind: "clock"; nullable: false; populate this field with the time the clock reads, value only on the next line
6:49
